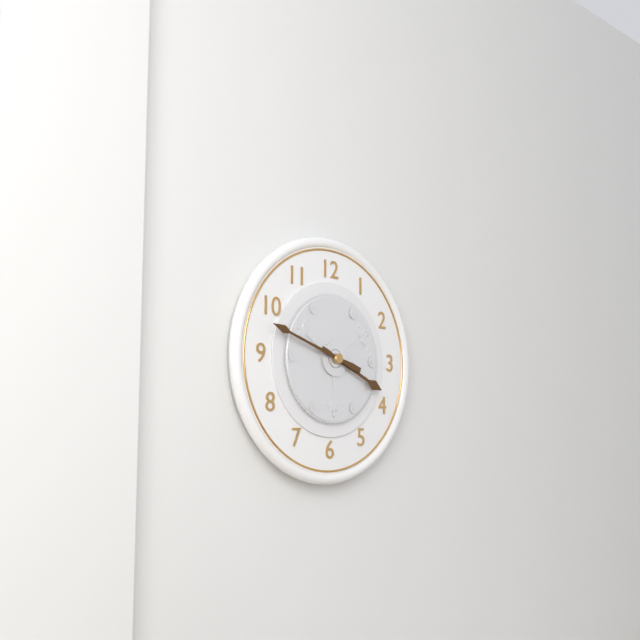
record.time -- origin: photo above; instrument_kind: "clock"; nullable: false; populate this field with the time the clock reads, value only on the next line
3:48
